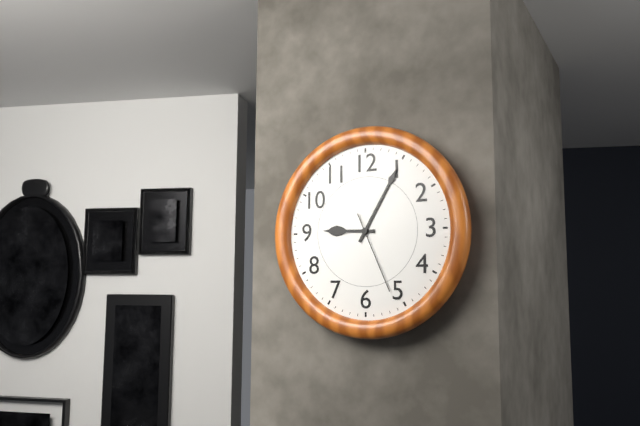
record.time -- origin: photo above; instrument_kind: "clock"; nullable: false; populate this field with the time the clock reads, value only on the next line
9:05:26
